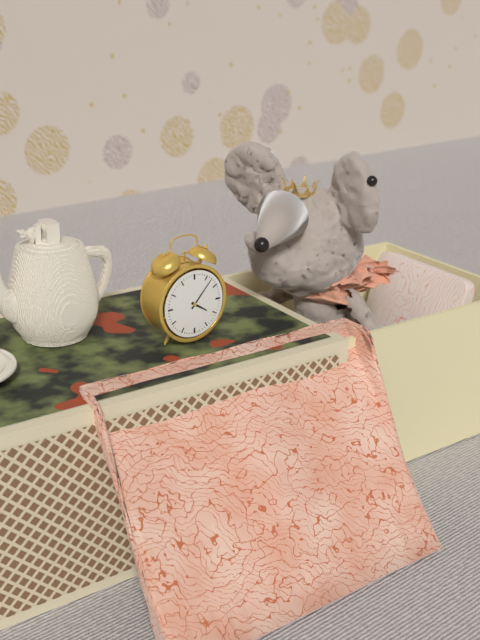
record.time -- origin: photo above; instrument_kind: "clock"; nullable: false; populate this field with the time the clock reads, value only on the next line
4:07
